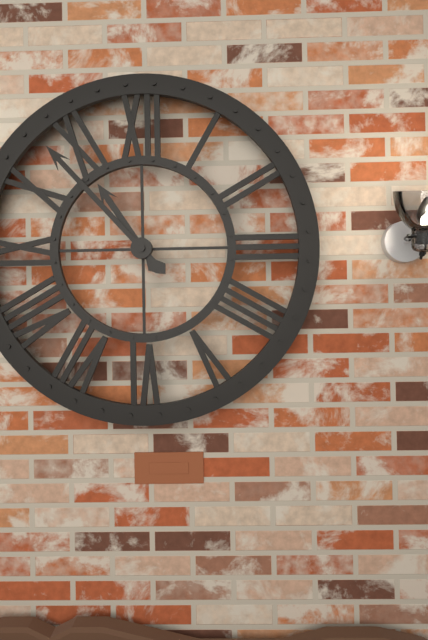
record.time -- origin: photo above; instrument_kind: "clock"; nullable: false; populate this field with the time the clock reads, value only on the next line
10:53
